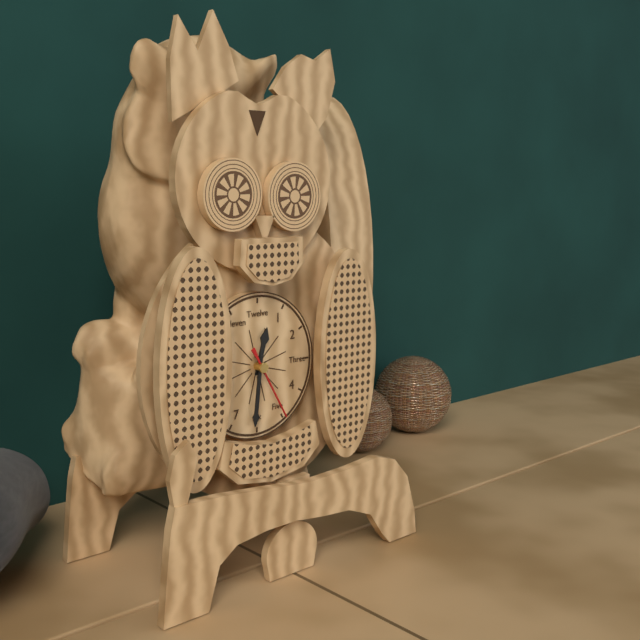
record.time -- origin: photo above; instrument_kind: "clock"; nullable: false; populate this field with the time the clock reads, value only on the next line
12:31:25
